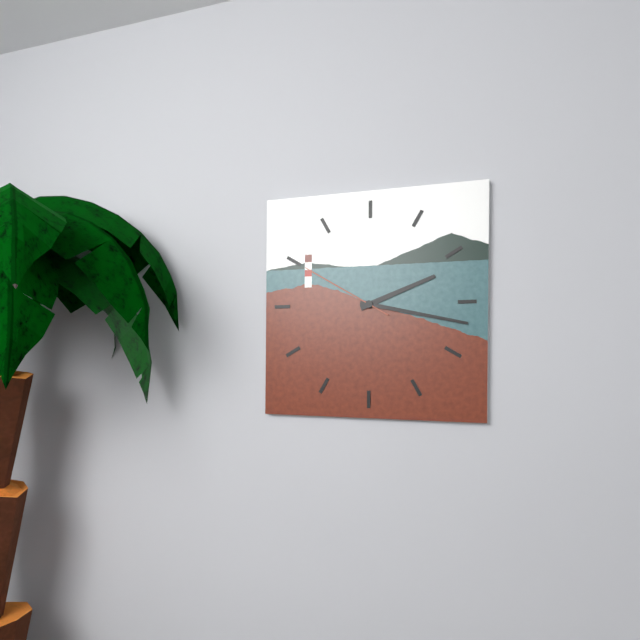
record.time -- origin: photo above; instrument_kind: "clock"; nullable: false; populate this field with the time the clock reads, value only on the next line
2:17:50
